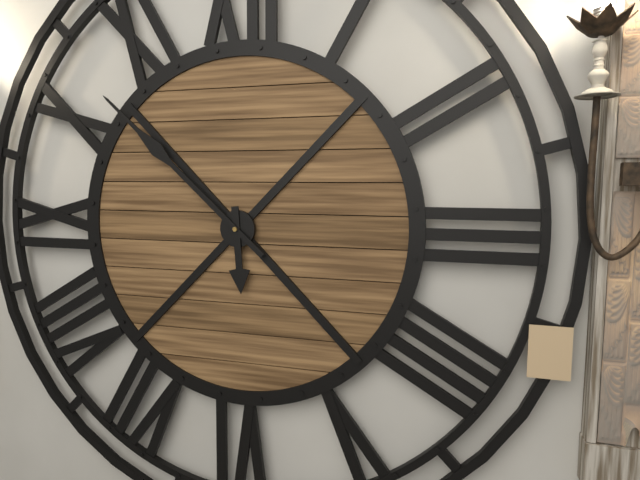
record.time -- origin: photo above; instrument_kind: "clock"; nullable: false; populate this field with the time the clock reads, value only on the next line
5:52
